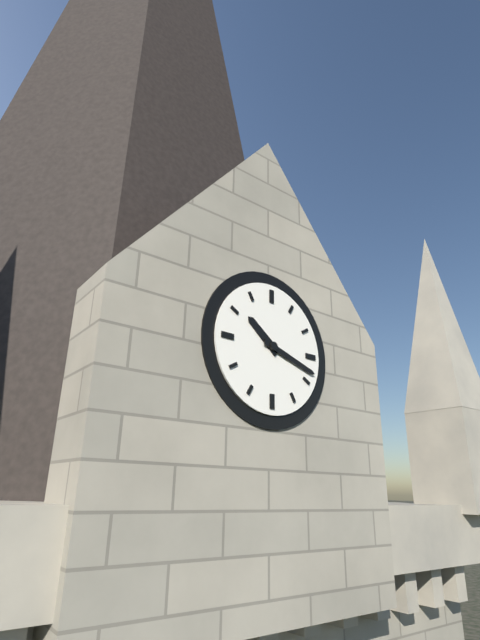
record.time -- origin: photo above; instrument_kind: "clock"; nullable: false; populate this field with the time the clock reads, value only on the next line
10:18
